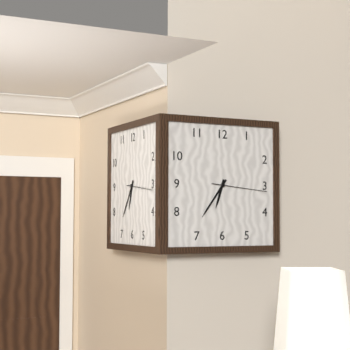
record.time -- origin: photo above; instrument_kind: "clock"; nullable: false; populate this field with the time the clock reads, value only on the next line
6:36:16
